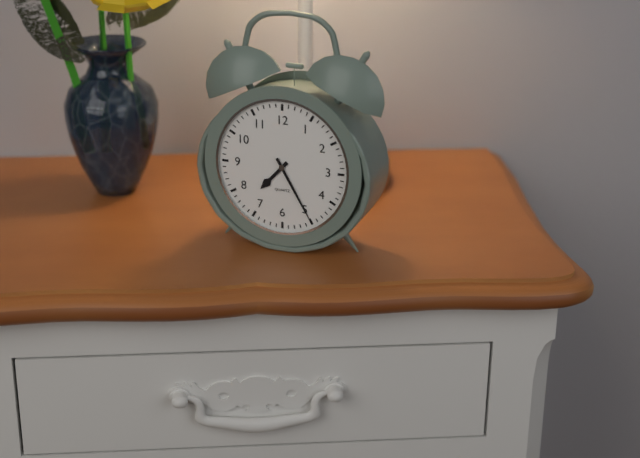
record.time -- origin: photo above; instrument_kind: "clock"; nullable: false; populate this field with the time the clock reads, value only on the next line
7:25
